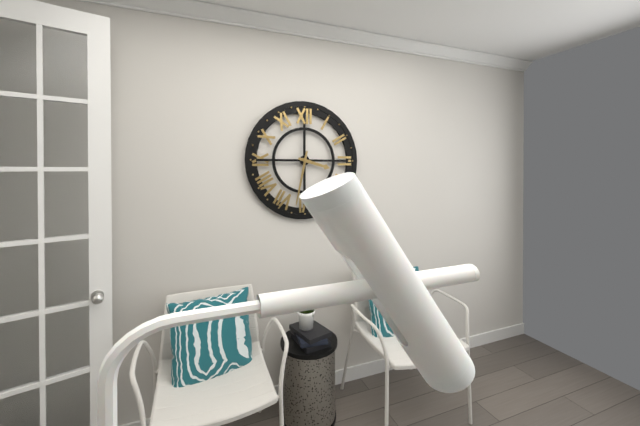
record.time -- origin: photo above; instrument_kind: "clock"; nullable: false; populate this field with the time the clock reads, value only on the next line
3:32
